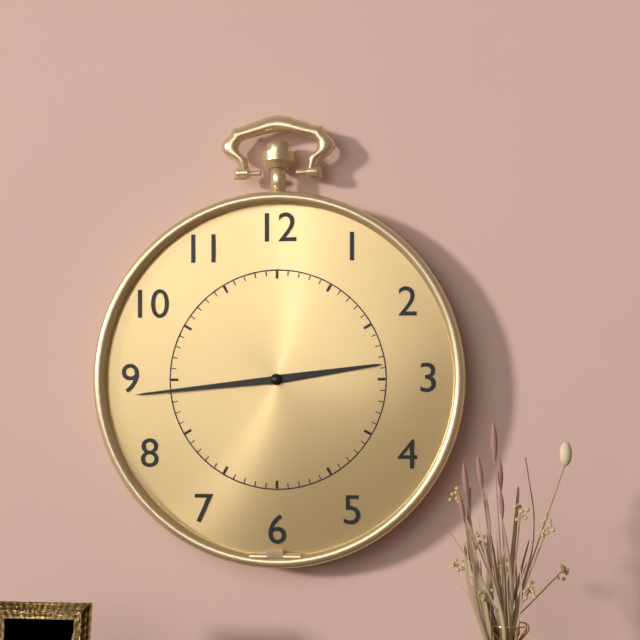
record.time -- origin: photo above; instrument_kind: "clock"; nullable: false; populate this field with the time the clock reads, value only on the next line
2:44
